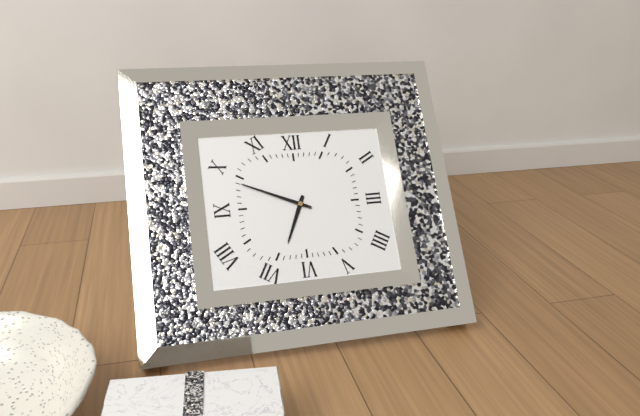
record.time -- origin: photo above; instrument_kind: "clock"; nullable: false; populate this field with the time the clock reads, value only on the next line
6:49
